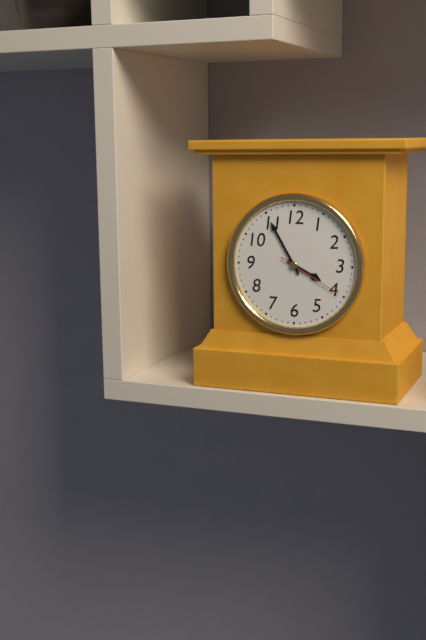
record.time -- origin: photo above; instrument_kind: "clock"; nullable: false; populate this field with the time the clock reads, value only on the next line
3:55:20
